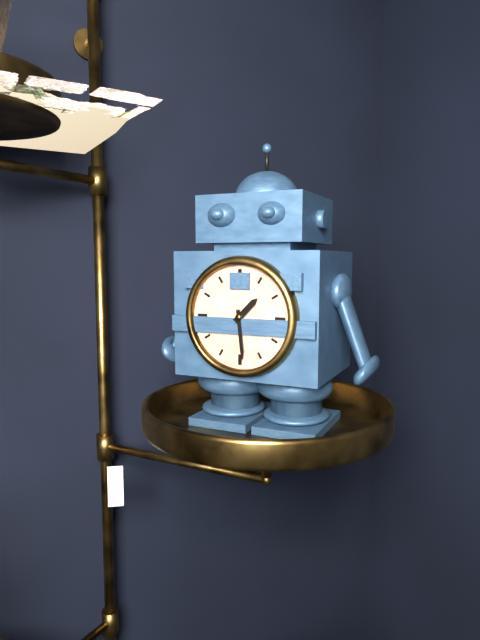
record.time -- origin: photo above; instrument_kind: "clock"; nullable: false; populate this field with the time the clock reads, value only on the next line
1:29
